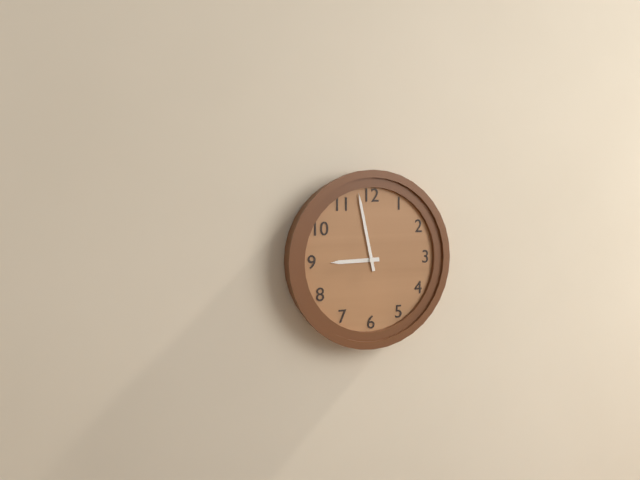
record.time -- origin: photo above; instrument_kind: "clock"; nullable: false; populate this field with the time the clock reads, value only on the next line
8:58
